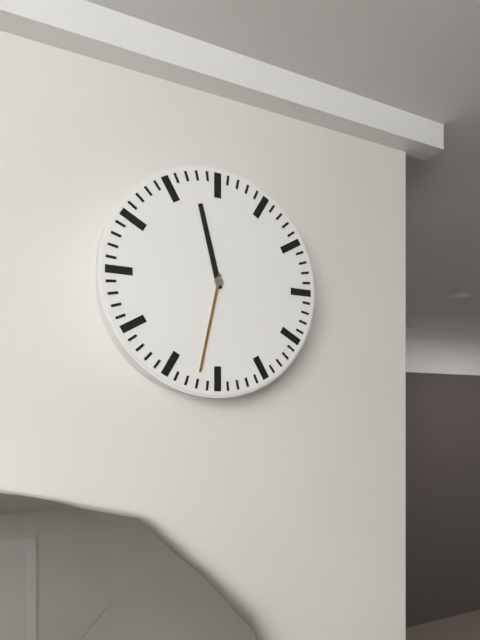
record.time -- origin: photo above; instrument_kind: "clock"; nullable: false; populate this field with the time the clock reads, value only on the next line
11:32
